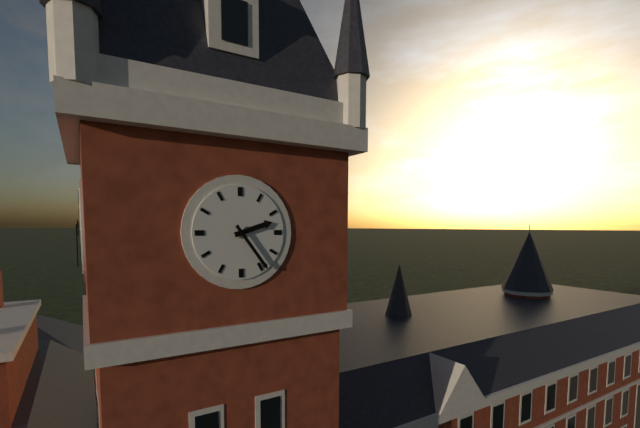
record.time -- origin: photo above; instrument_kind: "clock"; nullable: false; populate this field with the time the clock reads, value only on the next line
2:24
